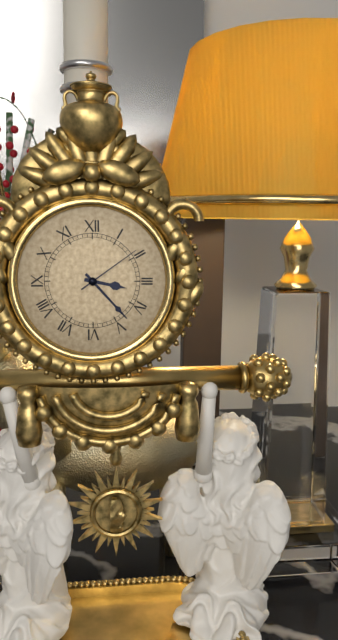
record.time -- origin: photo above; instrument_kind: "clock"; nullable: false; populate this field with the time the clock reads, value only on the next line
3:23:09
